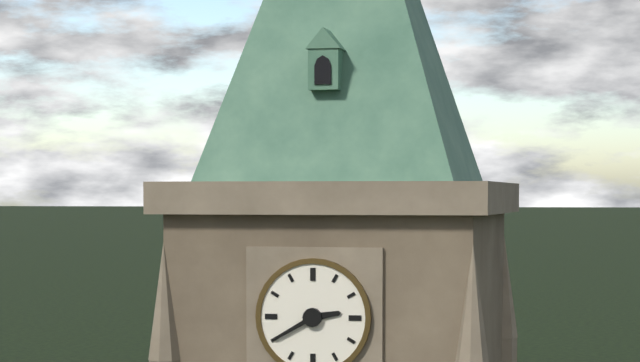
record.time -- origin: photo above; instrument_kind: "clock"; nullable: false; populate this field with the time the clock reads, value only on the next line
2:40
